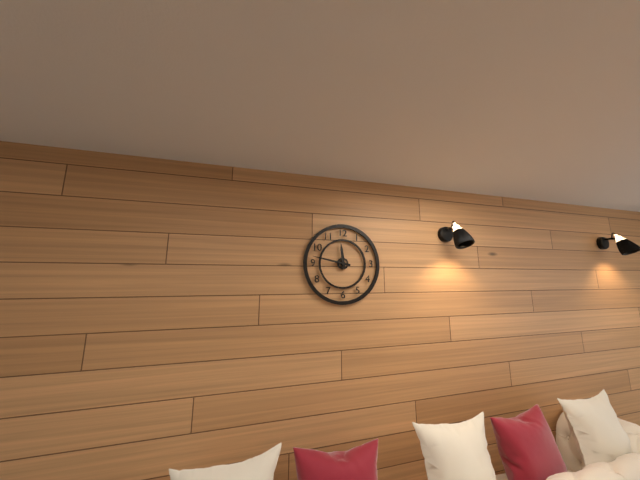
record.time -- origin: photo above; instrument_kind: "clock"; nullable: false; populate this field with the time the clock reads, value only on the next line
11:47
